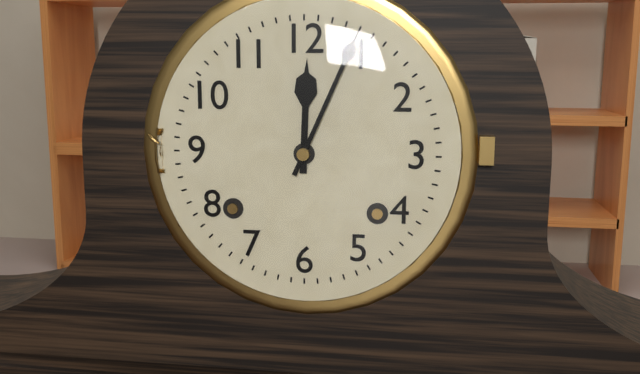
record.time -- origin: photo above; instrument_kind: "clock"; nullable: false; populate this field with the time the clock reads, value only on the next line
12:04
